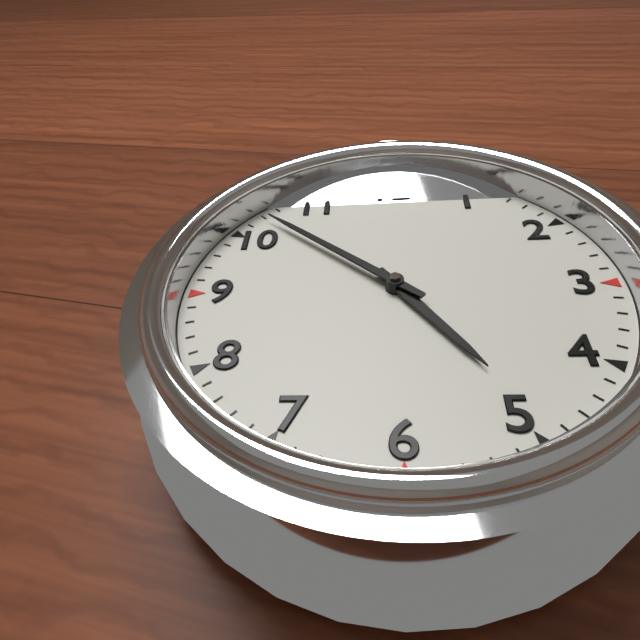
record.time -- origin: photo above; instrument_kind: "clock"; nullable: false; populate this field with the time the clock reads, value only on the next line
4:52
